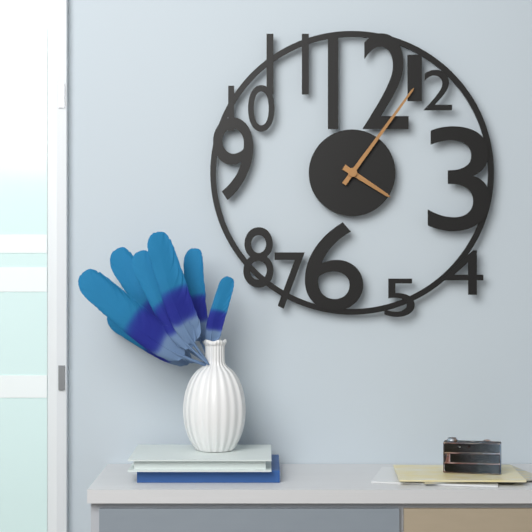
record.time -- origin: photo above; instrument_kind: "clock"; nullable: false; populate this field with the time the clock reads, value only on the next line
4:06
